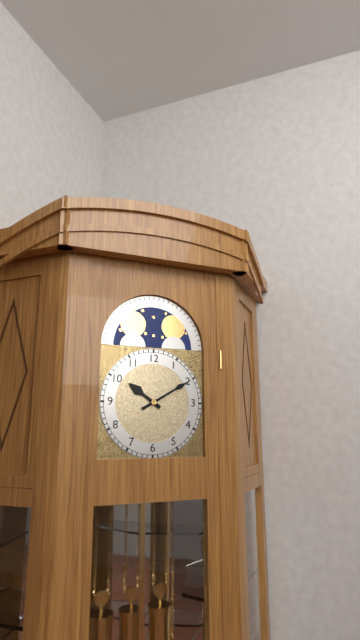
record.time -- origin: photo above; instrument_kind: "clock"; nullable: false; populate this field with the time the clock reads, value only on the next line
10:10
